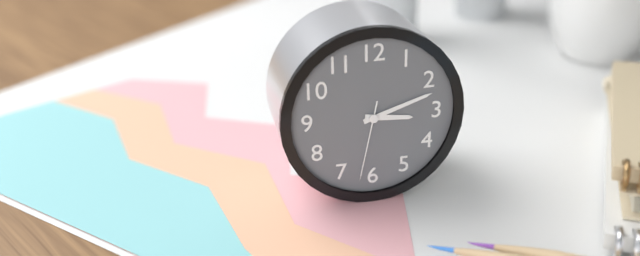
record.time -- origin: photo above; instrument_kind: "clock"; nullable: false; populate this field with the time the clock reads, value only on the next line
3:12:32
